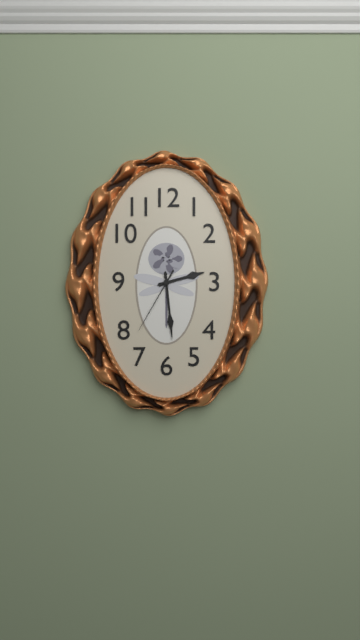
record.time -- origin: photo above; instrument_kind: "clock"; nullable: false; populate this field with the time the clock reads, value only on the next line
2:29:35
